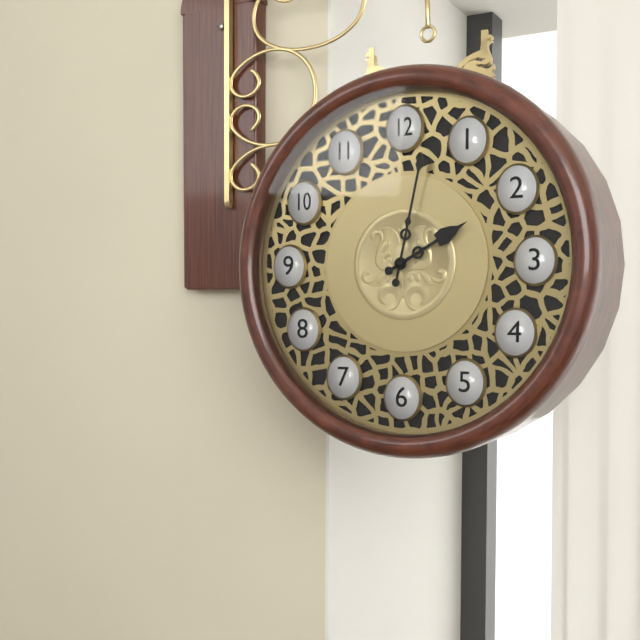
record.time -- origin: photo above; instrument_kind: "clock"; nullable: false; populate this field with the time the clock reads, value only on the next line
2:02
